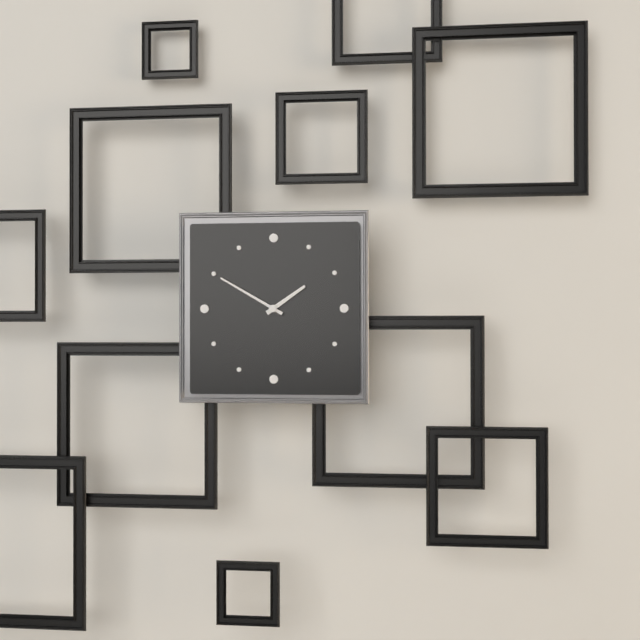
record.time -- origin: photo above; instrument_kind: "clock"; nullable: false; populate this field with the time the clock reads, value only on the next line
1:50
